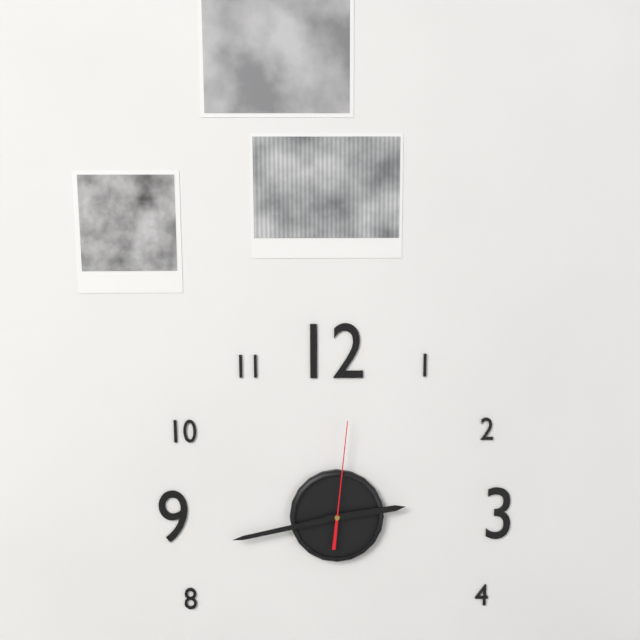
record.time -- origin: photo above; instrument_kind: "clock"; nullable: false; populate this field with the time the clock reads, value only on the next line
2:43:01
